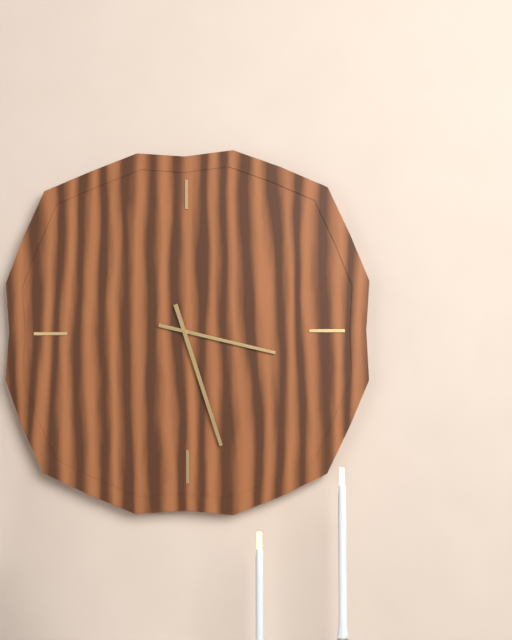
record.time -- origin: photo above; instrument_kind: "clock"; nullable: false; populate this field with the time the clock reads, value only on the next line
3:27
